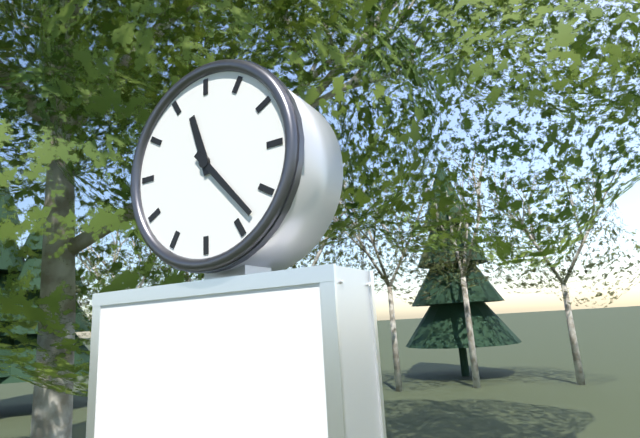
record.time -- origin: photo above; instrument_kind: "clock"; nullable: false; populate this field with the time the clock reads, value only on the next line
11:23
